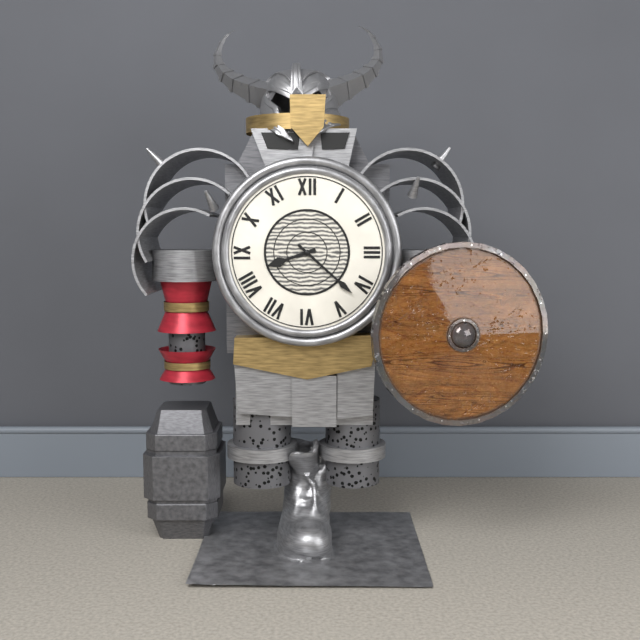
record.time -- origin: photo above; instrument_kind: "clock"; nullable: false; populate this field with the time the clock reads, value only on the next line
8:22
